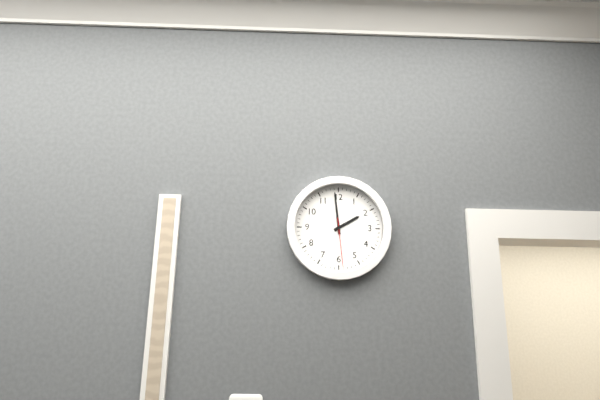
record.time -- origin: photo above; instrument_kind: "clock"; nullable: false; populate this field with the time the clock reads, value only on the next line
1:59:29
